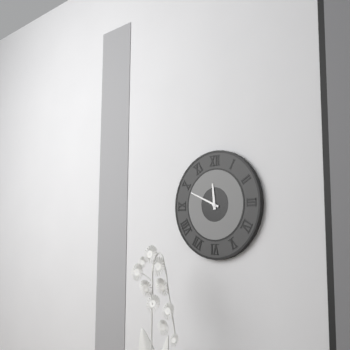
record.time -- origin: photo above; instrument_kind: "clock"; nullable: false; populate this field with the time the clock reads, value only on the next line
11:49
